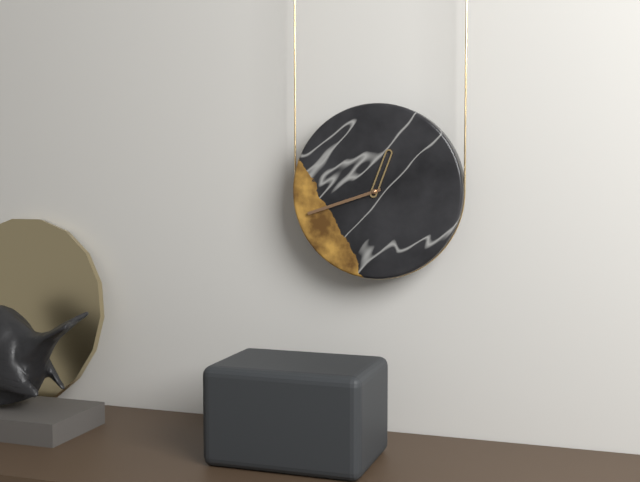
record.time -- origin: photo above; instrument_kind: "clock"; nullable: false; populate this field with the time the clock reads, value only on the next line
12:42
